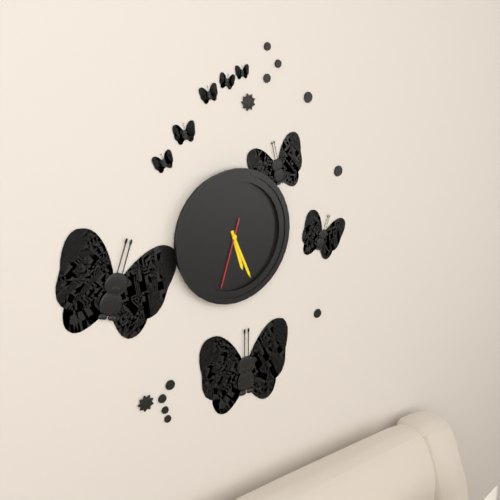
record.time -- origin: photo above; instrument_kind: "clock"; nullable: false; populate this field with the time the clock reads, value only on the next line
5:26:33
